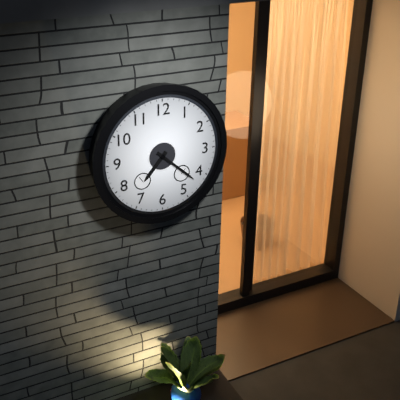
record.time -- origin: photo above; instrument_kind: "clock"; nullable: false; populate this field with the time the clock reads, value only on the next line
7:22
